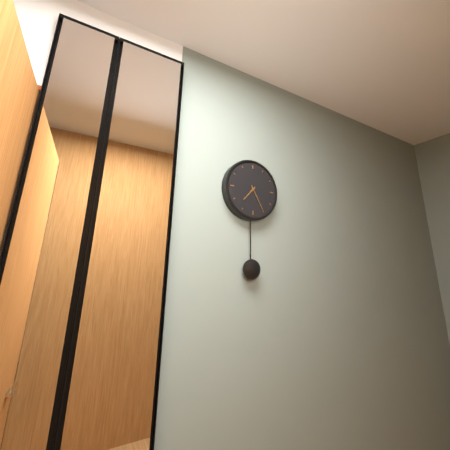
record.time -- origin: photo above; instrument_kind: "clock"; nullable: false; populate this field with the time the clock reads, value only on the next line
7:25
